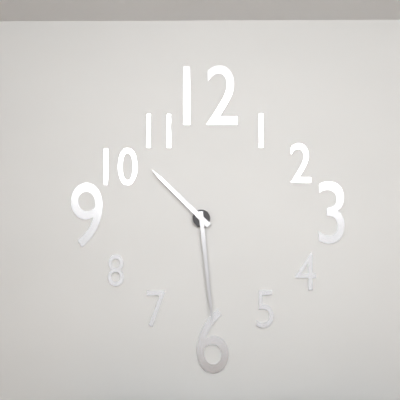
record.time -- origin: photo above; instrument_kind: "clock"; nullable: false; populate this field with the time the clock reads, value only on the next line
10:29
